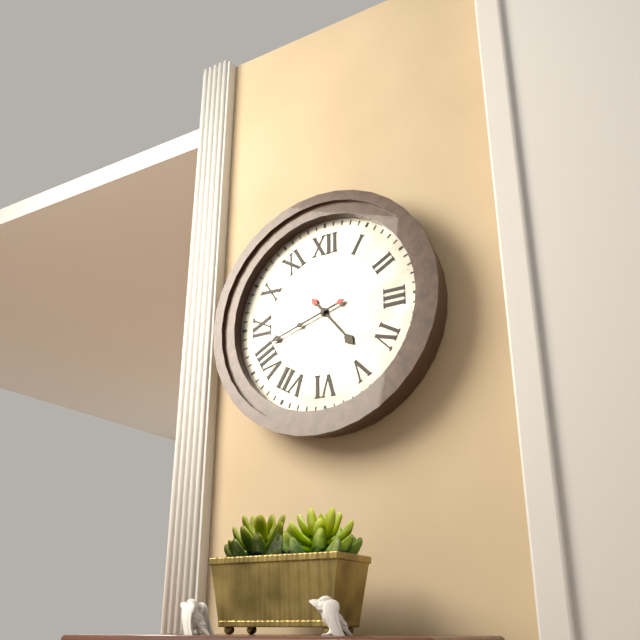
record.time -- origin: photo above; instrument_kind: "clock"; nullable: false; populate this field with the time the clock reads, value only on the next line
4:42
